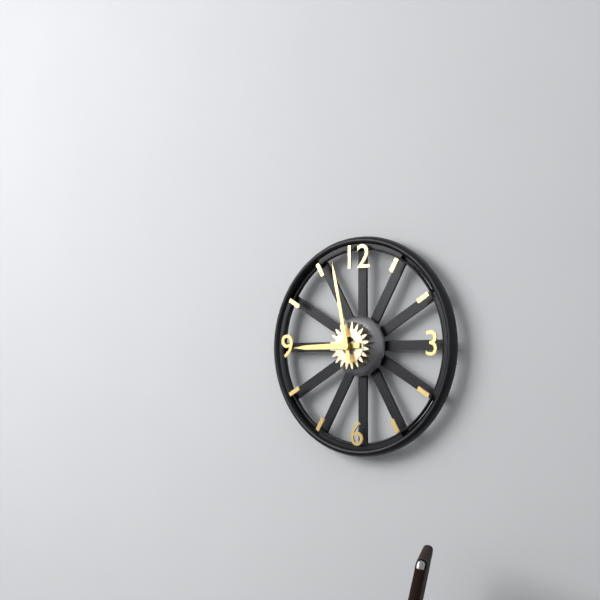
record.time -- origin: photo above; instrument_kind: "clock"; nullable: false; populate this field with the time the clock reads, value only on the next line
8:58
